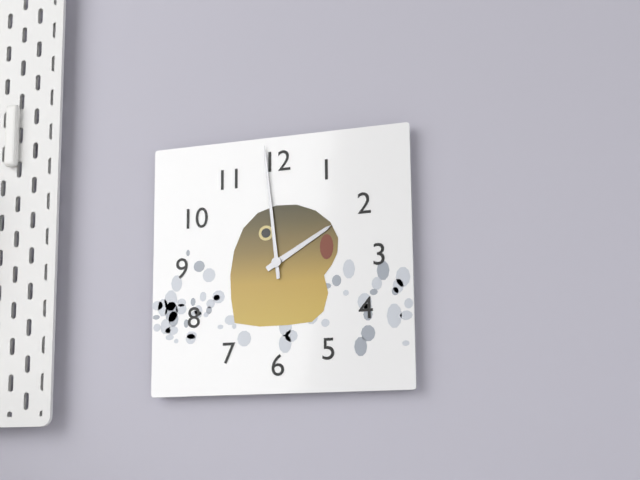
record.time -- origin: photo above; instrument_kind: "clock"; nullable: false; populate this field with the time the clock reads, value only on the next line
1:59
